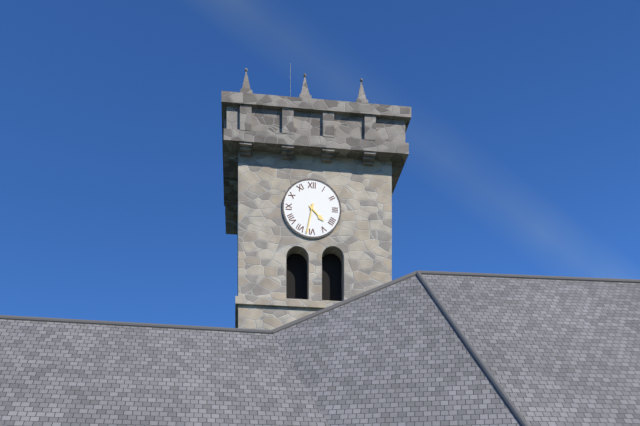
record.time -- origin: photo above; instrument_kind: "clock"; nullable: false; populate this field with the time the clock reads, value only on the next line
4:32
